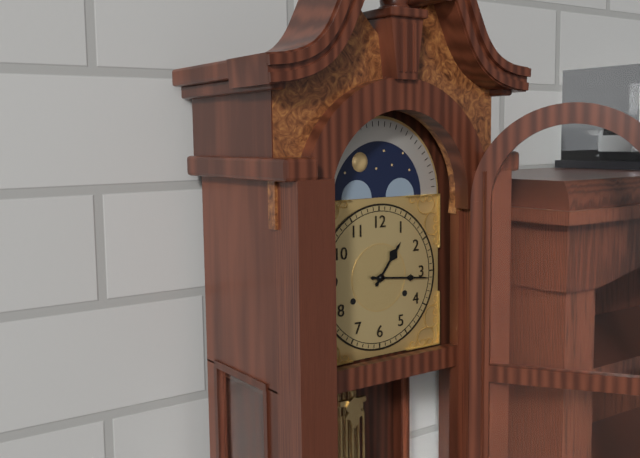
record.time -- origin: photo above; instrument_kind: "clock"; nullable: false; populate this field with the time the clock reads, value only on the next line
1:16
